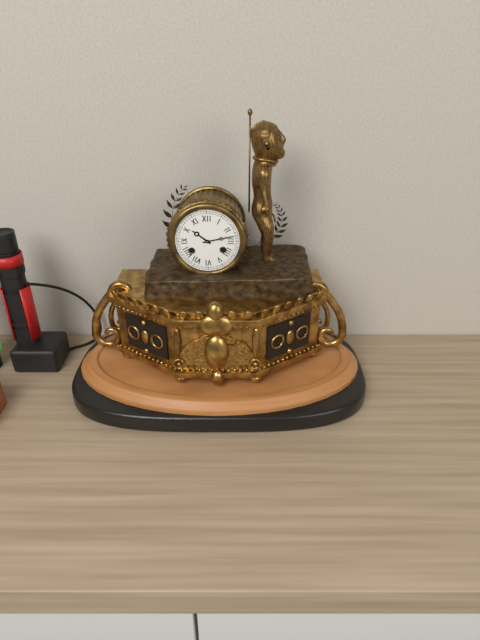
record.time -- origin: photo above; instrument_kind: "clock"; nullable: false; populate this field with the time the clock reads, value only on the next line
10:13
